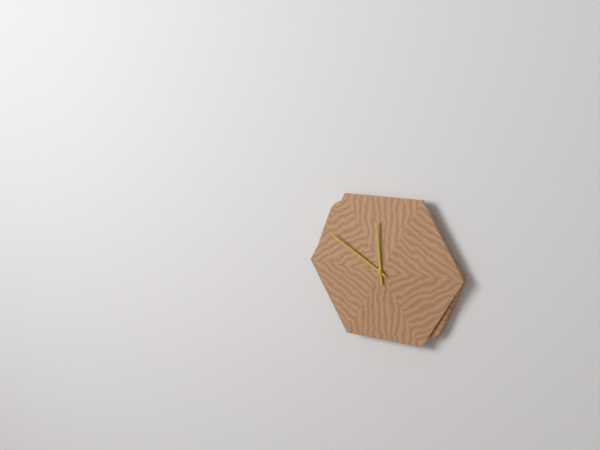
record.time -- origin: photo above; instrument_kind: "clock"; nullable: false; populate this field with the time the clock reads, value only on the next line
11:50
